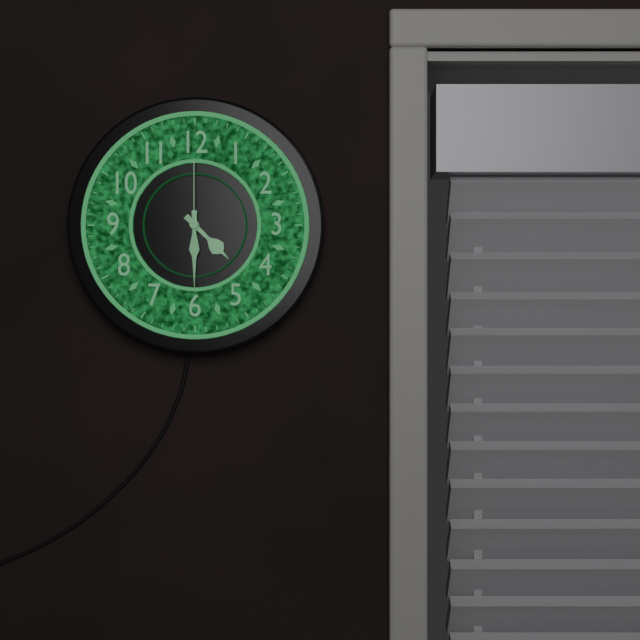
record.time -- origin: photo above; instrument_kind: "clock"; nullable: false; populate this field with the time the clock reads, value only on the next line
4:30:00
